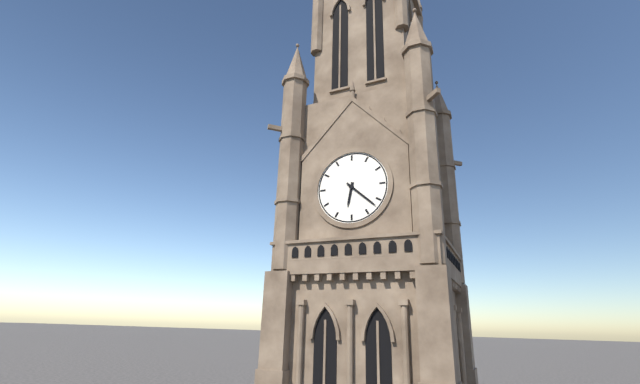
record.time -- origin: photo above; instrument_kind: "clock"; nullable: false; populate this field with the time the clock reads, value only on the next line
6:22
